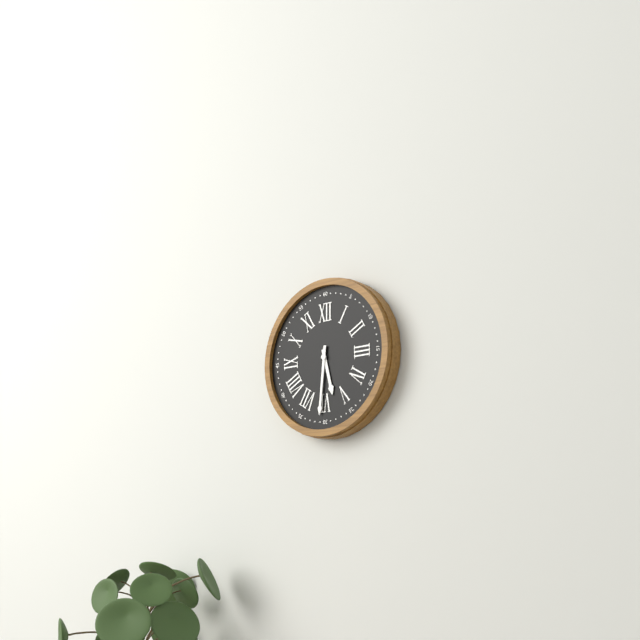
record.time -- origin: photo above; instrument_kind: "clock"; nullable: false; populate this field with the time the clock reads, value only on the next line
5:31
